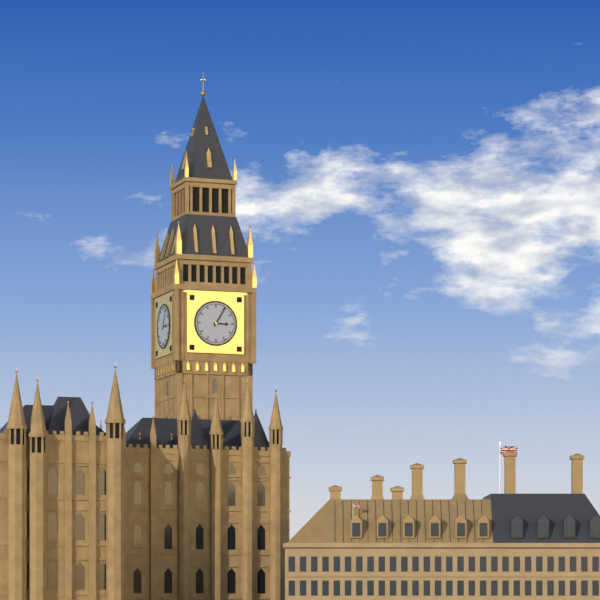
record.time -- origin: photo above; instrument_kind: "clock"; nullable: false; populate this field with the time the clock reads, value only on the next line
3:05
